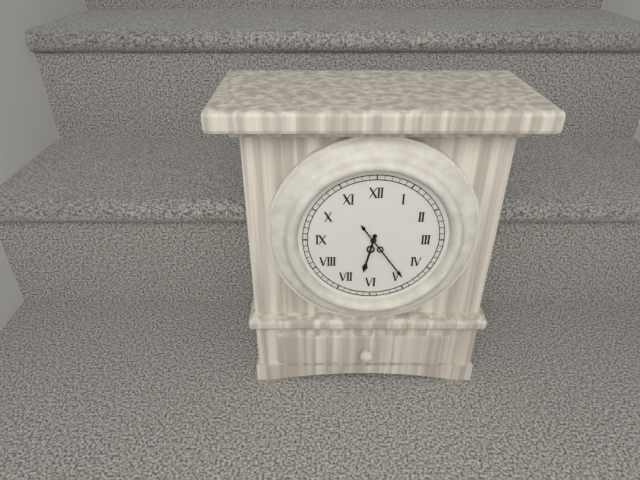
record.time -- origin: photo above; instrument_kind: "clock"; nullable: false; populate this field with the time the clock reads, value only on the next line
6:24
